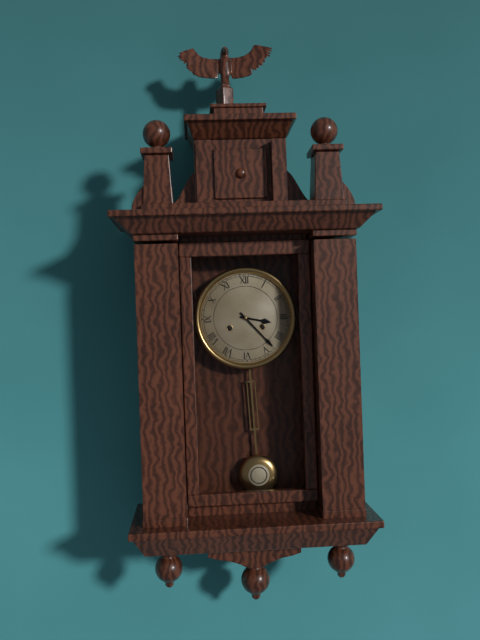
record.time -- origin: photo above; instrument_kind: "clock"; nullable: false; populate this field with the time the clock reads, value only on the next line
3:23
